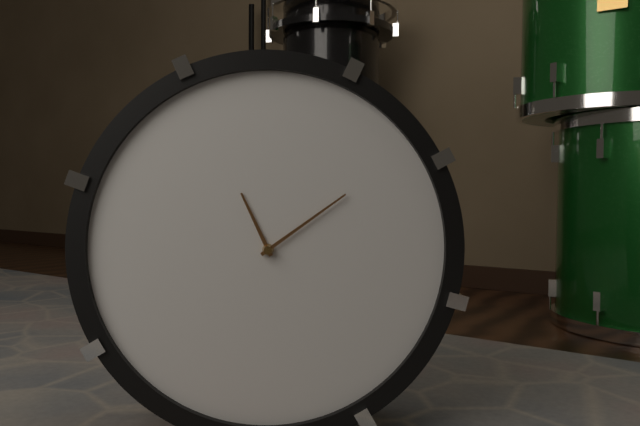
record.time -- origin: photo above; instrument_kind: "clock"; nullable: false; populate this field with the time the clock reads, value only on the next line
11:09
